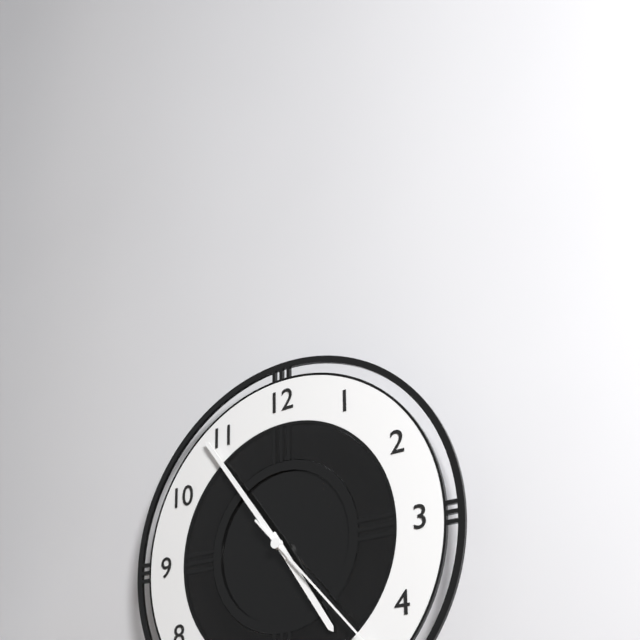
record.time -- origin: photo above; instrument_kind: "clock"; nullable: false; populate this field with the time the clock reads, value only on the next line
4:54
